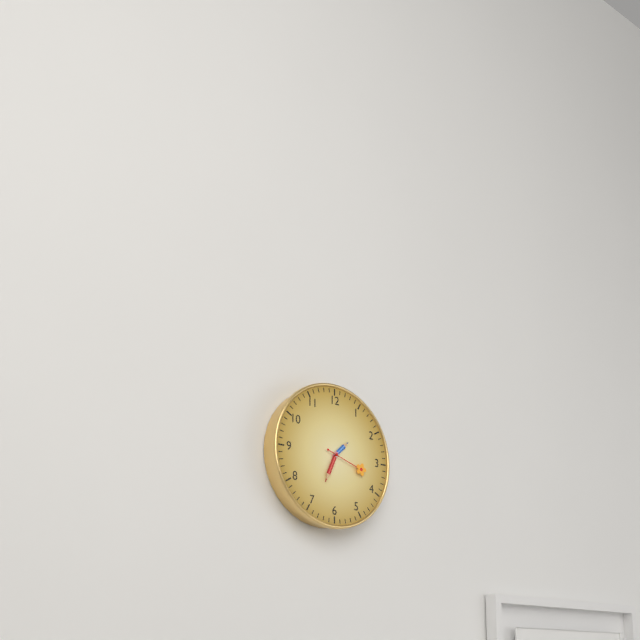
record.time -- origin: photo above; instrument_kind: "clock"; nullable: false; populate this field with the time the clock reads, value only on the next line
1:34
